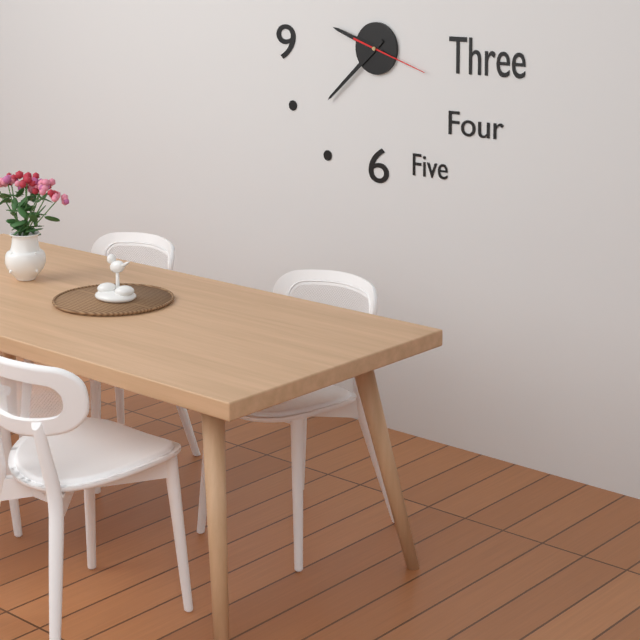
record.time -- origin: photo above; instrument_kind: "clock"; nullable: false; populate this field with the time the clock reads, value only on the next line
9:38:18
